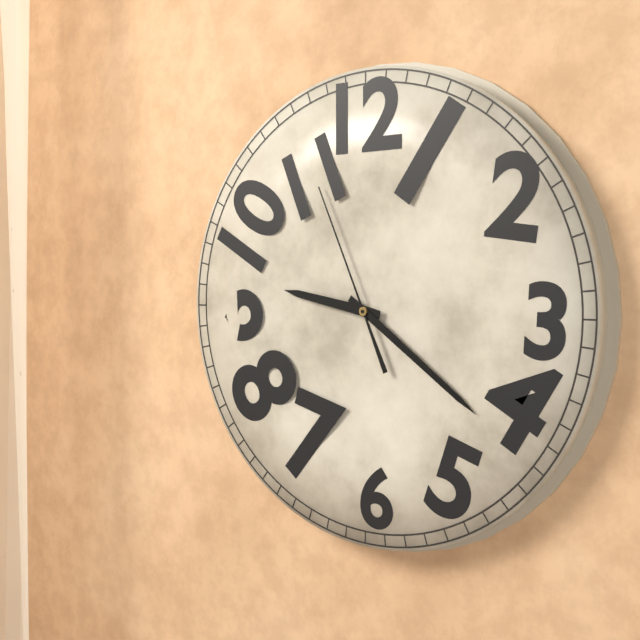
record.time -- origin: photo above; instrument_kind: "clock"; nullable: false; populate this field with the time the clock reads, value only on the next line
9:21:56
